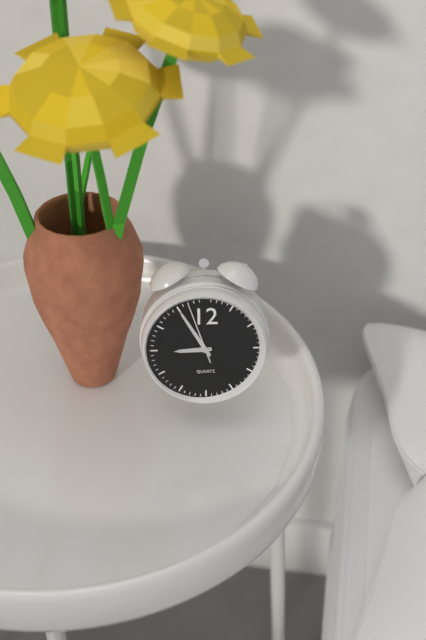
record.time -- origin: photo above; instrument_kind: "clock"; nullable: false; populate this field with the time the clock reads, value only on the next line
8:55:57
